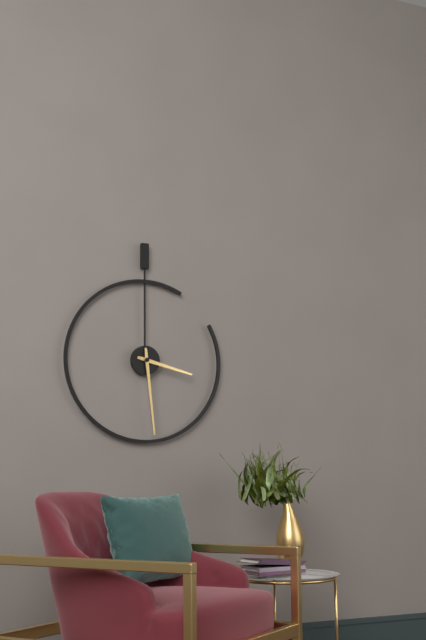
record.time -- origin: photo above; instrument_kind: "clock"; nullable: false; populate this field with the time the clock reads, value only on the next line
3:29
